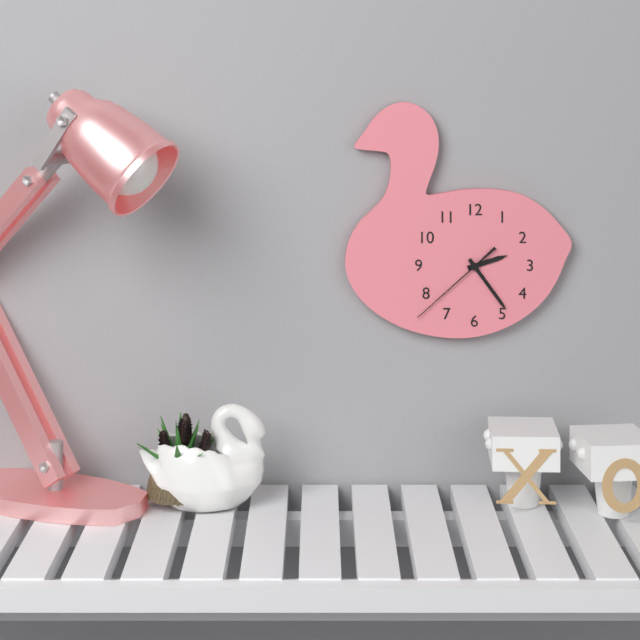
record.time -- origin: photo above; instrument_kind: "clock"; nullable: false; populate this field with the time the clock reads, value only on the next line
2:24:38
